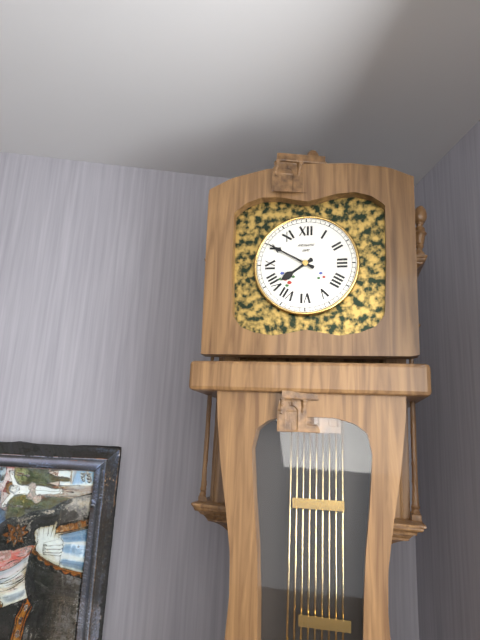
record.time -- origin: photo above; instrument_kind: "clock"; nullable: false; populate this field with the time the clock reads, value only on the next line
7:50
